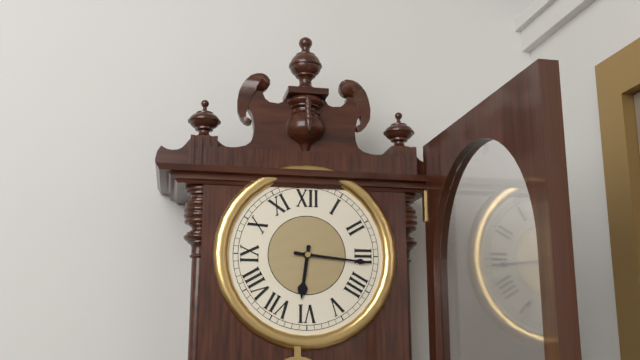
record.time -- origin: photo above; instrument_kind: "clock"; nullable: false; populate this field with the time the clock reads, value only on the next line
6:16
